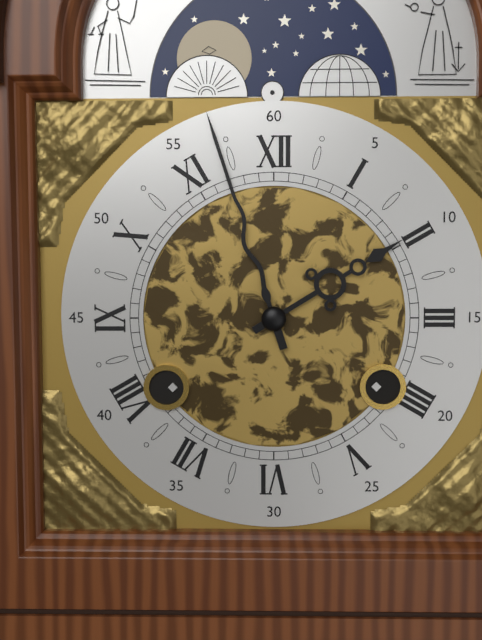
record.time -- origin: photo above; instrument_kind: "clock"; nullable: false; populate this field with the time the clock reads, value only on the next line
1:57
